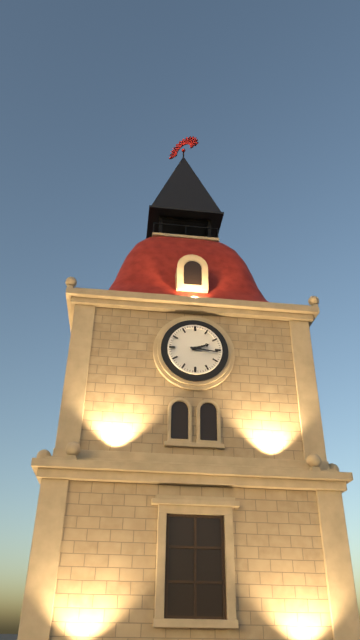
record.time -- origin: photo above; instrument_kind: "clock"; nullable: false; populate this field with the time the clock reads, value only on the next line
2:16
